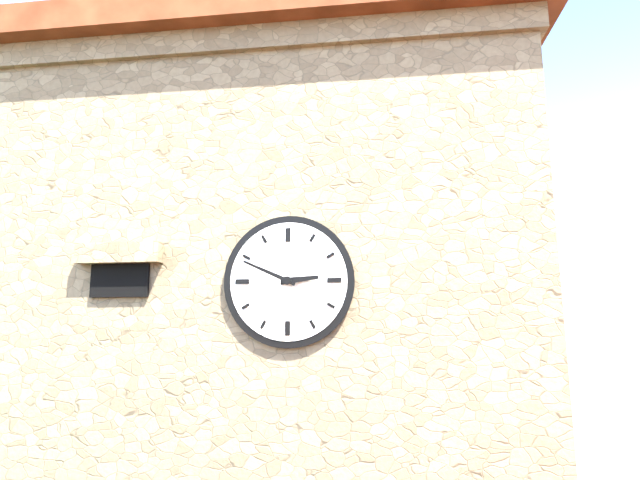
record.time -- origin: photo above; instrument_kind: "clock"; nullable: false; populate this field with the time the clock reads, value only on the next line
2:49
